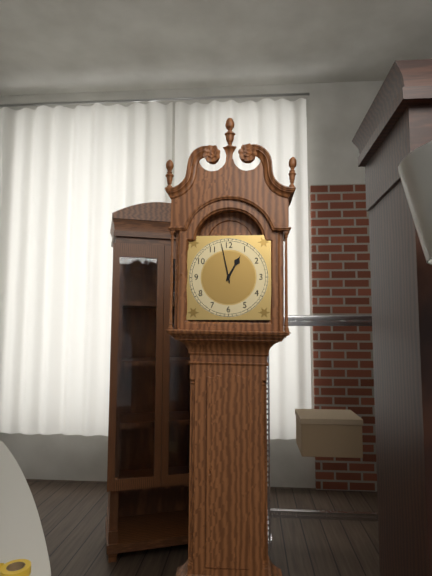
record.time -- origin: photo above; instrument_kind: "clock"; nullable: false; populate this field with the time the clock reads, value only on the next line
12:58
